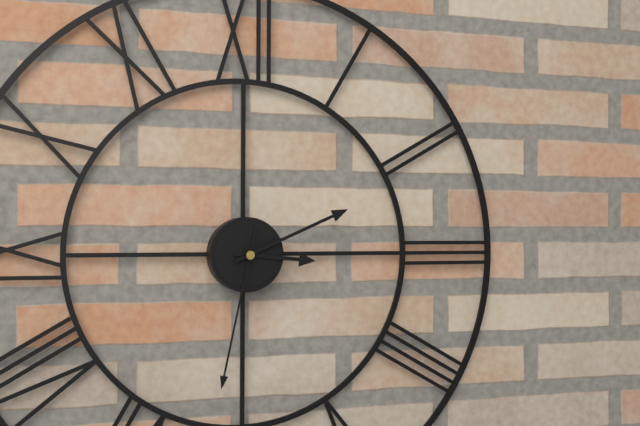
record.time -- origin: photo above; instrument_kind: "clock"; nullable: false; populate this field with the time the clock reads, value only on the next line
3:11:32
